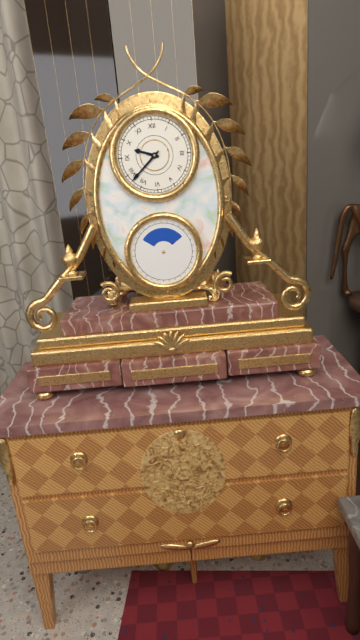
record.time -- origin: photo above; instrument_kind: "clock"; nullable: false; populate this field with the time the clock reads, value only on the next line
9:38
